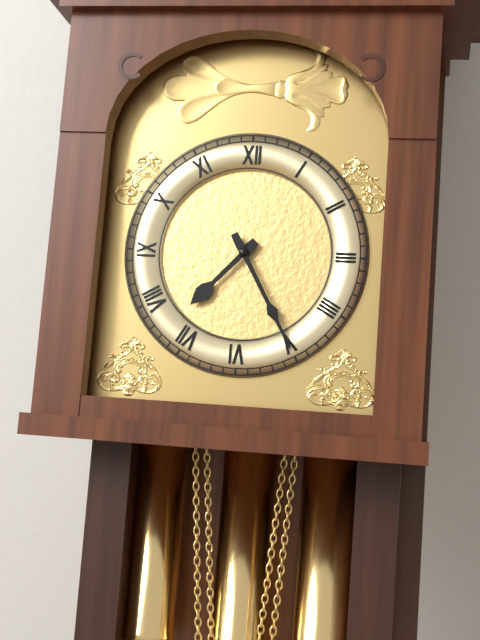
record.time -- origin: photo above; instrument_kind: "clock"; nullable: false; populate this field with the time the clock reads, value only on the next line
7:25
